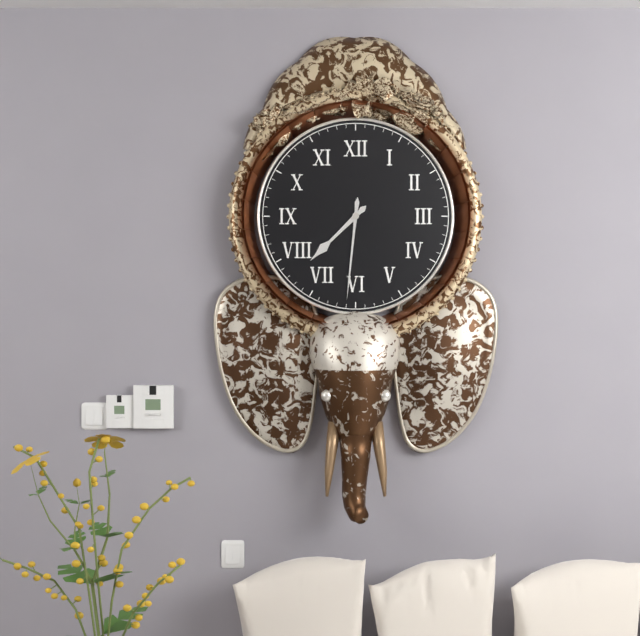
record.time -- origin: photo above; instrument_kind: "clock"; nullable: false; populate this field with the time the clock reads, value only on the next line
7:31
